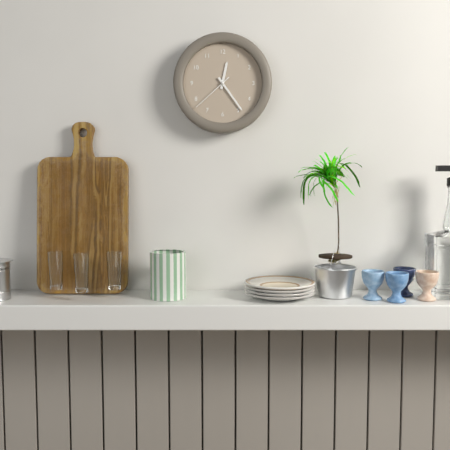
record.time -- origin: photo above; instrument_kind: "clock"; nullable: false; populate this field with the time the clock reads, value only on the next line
12:24
